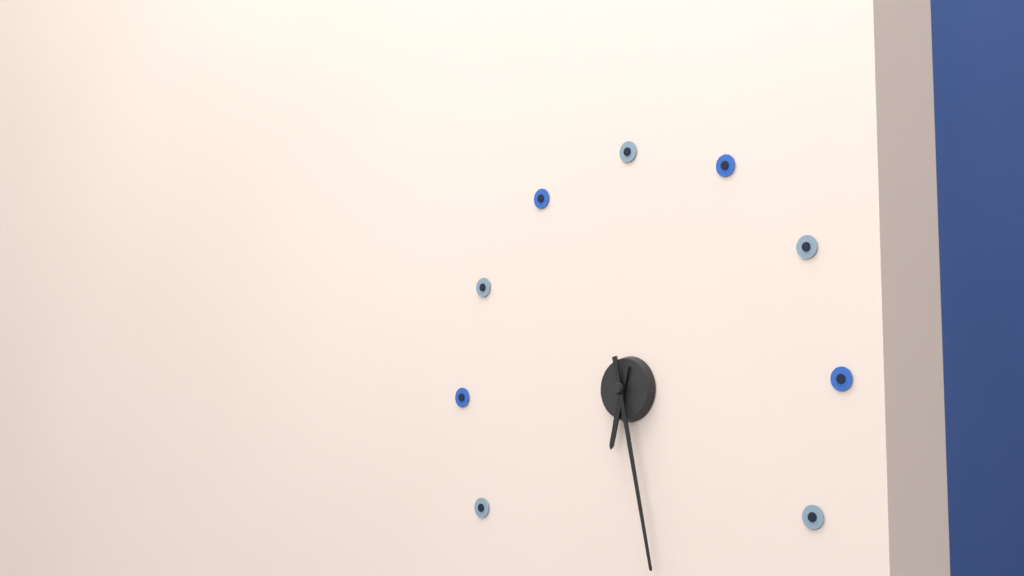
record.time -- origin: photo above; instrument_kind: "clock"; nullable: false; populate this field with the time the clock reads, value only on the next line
6:28
